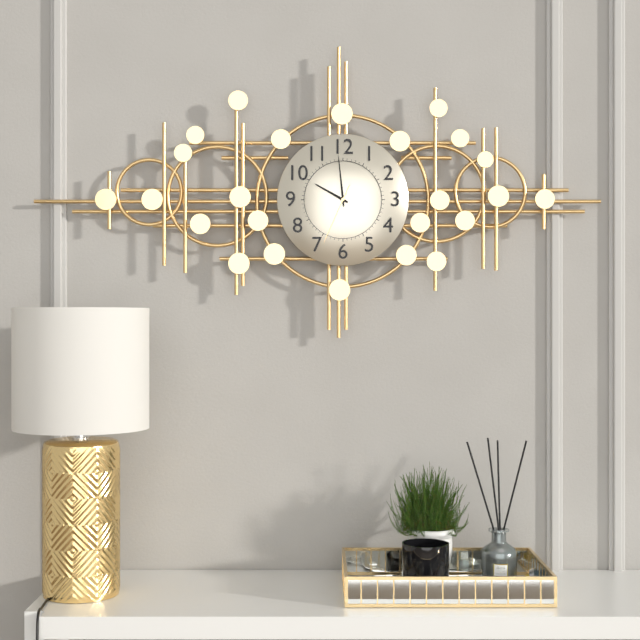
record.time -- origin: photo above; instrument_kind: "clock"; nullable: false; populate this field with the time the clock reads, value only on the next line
9:59:34
